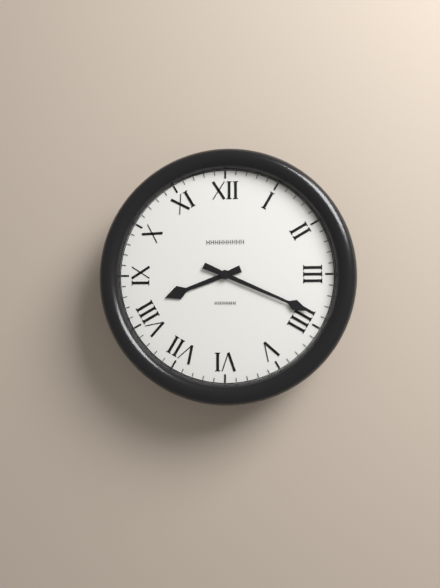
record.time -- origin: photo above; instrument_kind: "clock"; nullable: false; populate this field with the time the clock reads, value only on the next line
8:19
